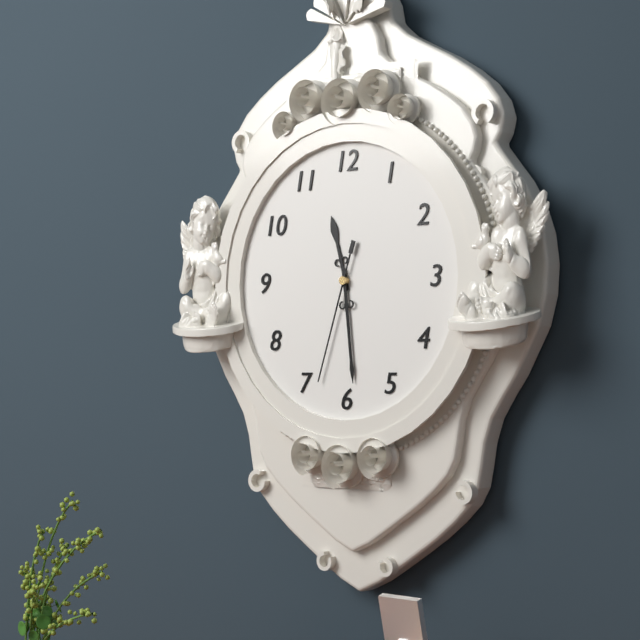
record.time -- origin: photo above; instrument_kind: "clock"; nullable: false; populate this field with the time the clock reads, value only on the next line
11:29:33
